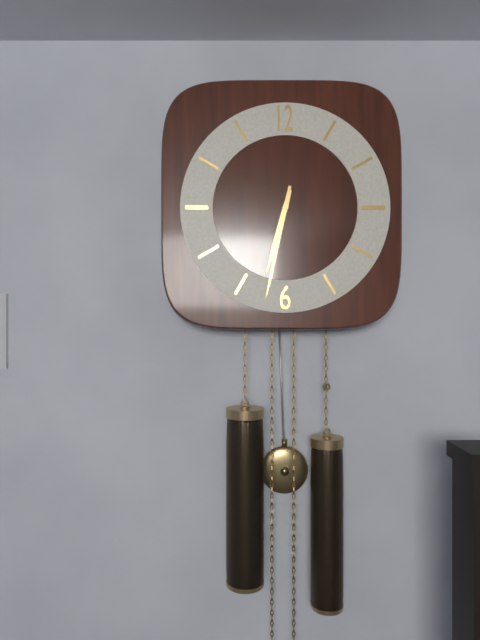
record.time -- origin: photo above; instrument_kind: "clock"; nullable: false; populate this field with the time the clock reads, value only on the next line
6:32
